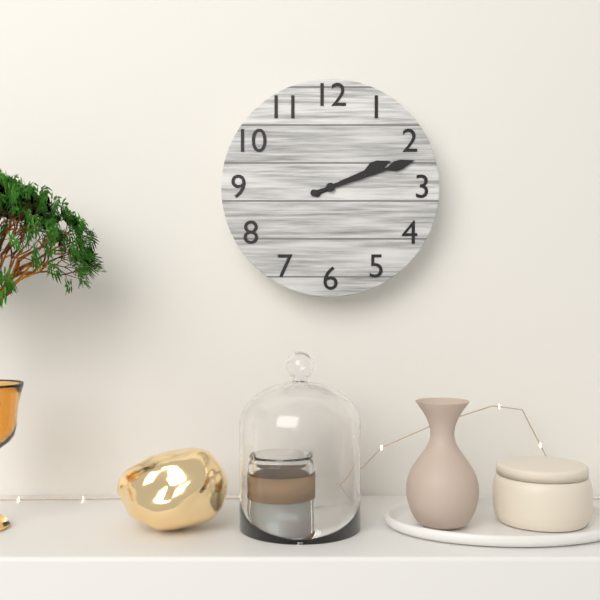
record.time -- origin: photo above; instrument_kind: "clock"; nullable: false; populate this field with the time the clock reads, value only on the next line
2:12
